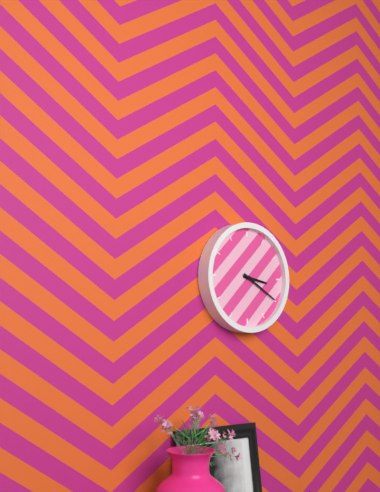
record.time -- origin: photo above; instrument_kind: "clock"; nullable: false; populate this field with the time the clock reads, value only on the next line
3:20
